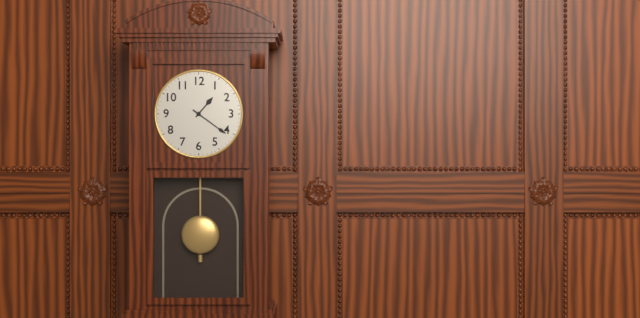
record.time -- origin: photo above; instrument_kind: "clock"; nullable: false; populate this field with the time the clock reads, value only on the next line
1:21
